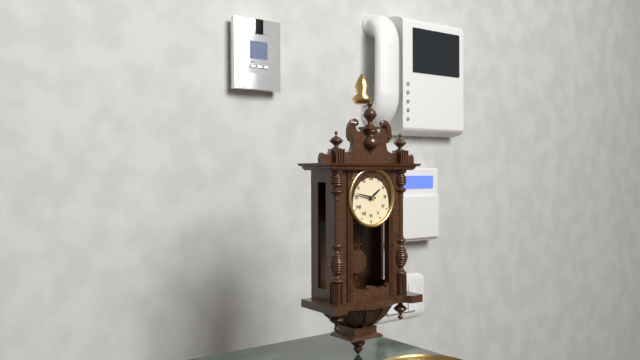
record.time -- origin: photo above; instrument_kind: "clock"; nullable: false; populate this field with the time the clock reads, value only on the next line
1:47
